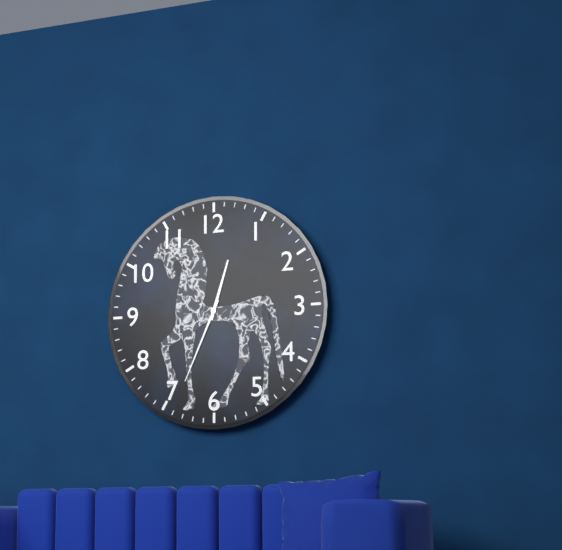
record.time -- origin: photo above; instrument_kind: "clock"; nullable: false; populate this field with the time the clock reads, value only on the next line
12:34
